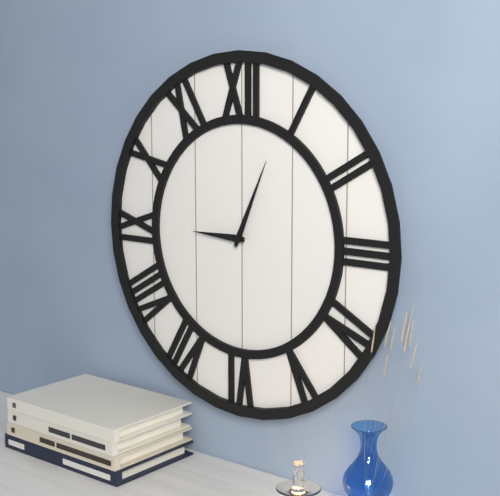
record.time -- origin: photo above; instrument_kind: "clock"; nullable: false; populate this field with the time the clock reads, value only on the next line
9:04
